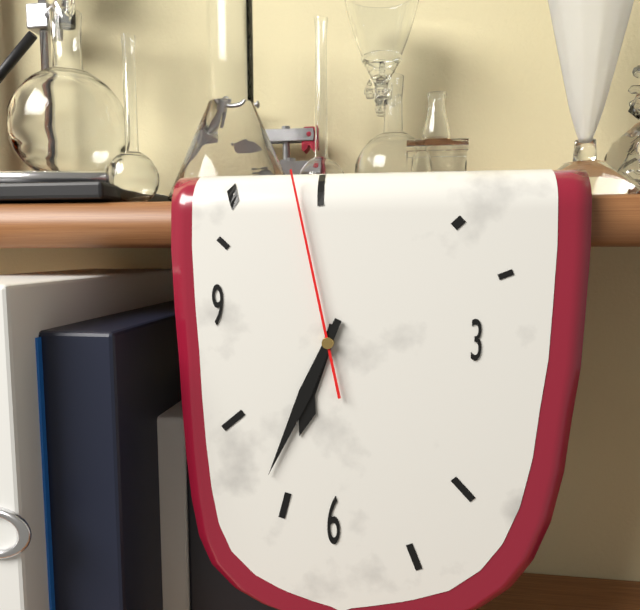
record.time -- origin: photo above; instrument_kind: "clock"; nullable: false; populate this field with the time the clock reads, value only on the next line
6:34:58
